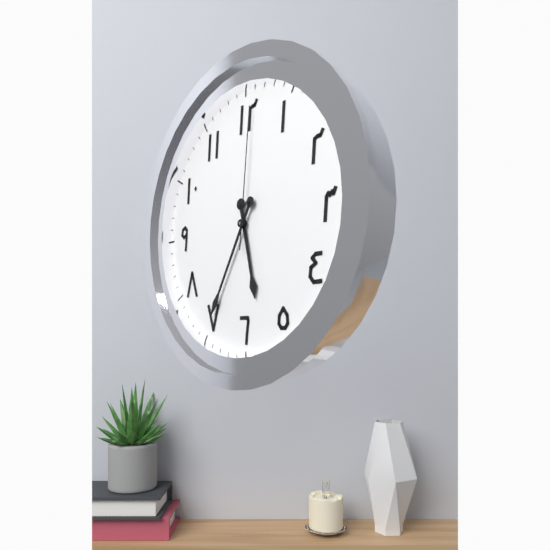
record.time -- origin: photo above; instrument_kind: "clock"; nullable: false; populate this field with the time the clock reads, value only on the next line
5:35:01
